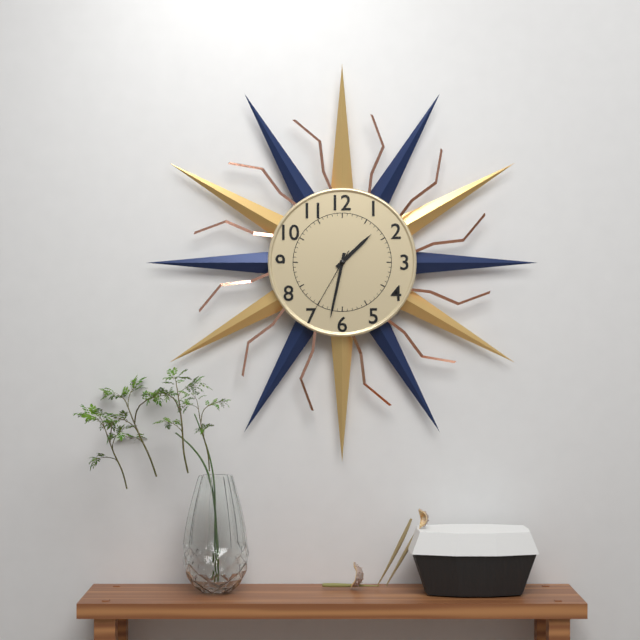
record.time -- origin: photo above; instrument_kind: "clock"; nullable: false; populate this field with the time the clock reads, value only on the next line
1:32:35
